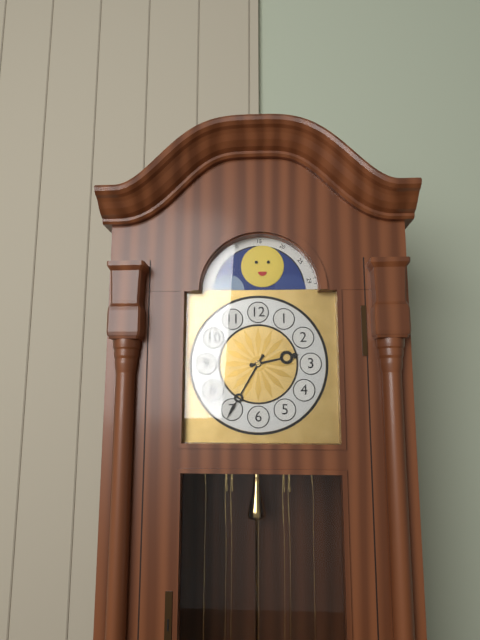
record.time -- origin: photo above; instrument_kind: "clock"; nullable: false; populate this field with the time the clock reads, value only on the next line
2:35
